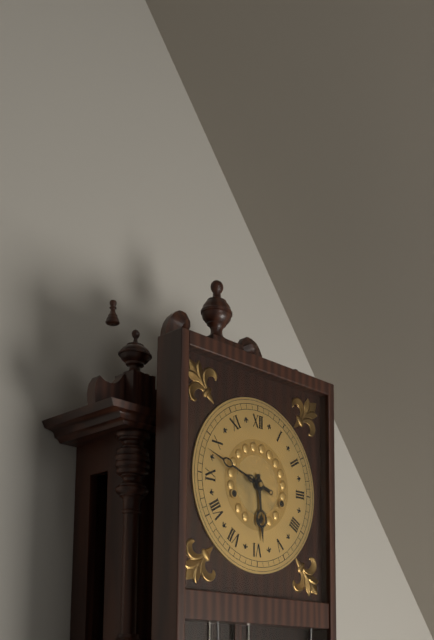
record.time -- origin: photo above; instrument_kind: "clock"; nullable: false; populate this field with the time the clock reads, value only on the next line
5:48
